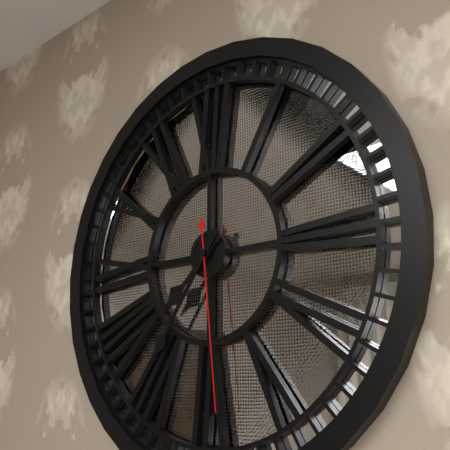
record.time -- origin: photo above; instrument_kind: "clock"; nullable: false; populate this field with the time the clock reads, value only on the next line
7:36:29
